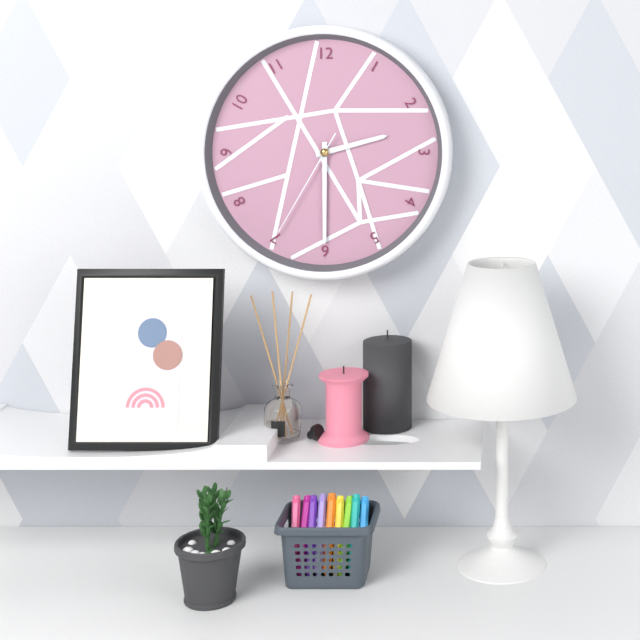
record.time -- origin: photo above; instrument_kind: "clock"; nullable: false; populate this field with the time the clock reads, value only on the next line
2:30:35
